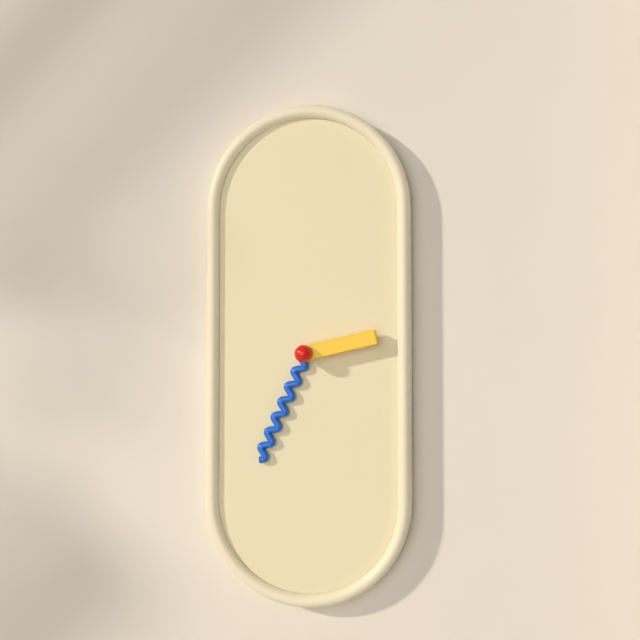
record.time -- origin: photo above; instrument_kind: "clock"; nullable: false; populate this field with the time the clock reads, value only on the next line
2:34
